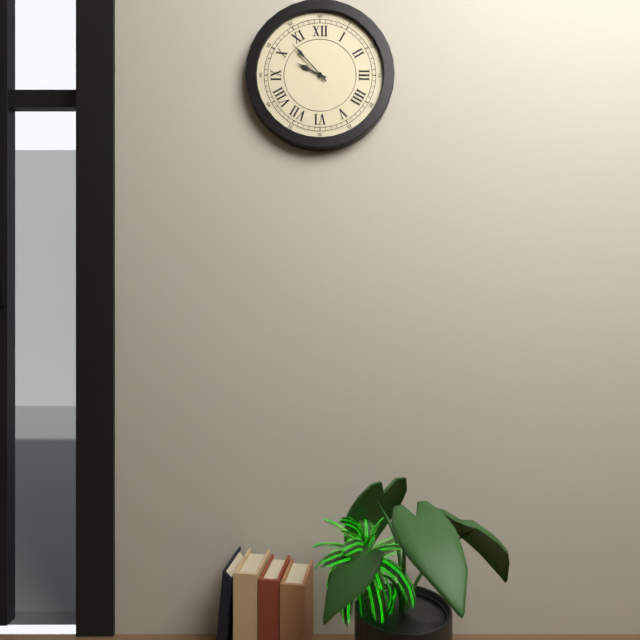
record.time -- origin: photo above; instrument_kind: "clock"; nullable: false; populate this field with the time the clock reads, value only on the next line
9:53
